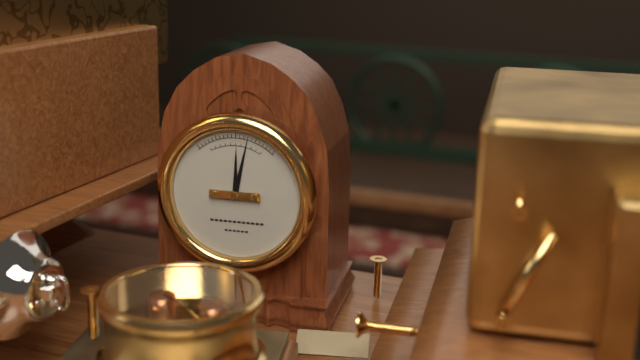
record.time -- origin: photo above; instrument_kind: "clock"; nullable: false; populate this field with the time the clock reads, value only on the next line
12:02
